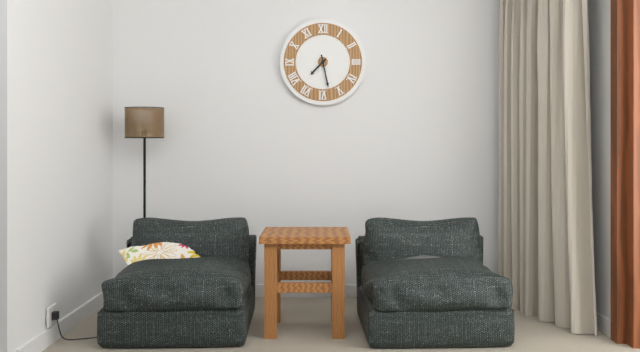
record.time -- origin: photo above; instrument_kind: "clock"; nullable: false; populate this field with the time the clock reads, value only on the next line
7:28
